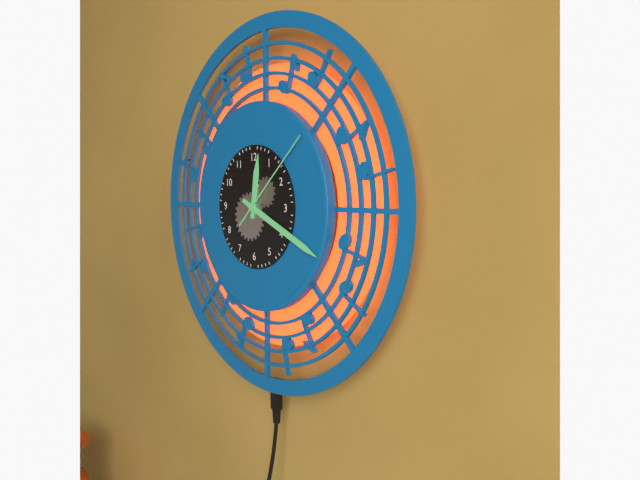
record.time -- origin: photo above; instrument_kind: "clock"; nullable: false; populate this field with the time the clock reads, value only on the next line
12:19:08
